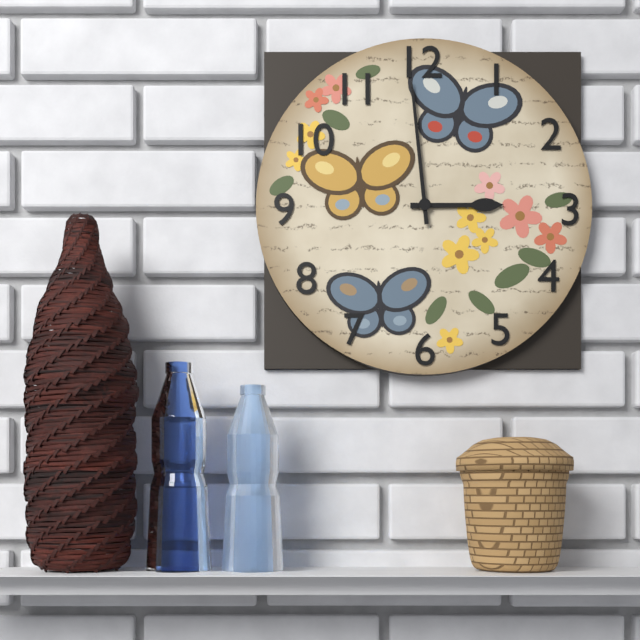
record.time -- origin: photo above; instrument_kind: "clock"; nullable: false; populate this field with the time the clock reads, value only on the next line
2:59
